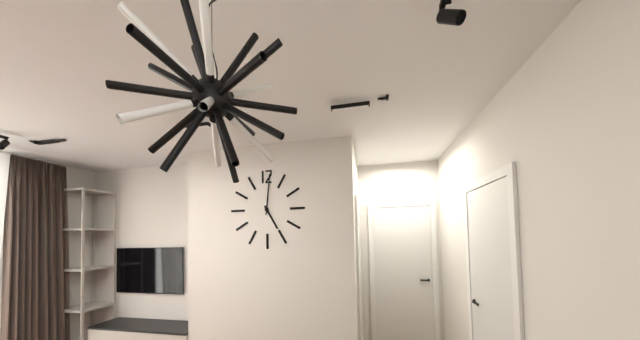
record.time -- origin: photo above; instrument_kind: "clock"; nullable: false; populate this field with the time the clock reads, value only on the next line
5:01
